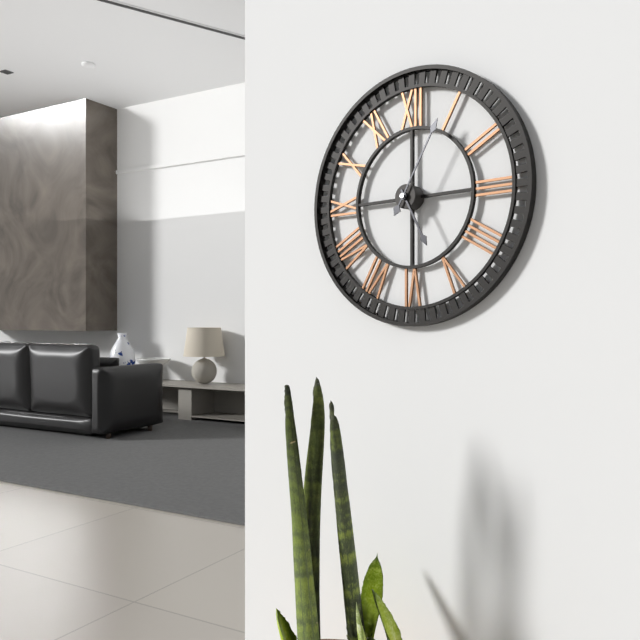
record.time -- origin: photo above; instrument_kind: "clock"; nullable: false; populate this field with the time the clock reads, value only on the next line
5:05
